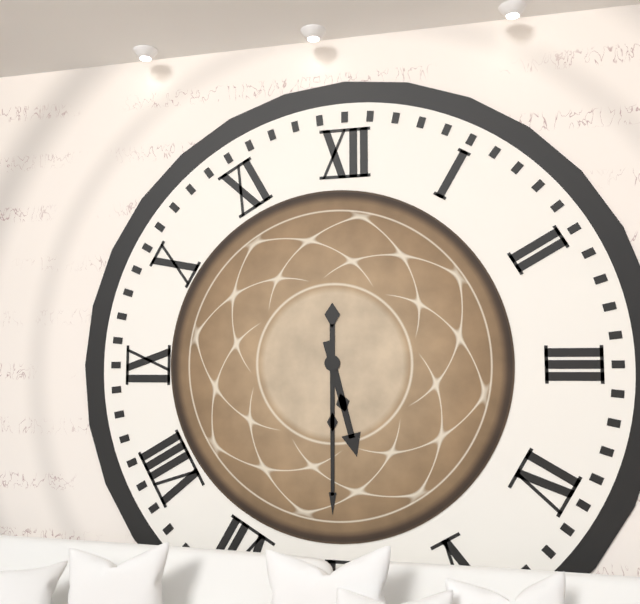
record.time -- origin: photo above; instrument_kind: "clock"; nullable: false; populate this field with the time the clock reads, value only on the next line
5:30
